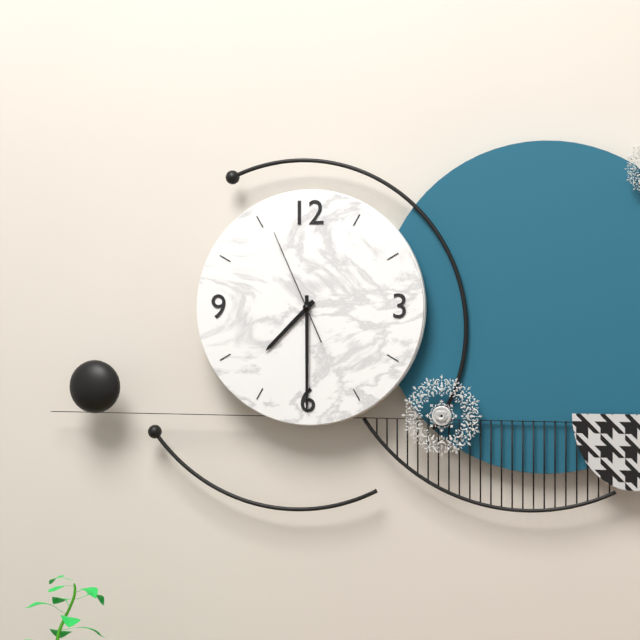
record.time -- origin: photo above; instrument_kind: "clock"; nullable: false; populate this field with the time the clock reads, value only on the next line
7:30:56
